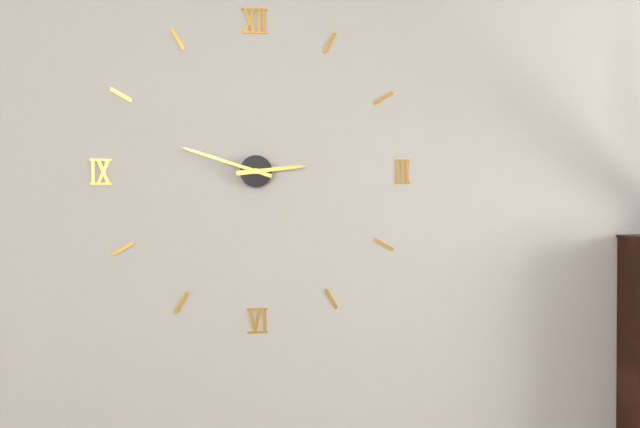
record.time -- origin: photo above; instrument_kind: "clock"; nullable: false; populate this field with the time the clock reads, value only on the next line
2:48
